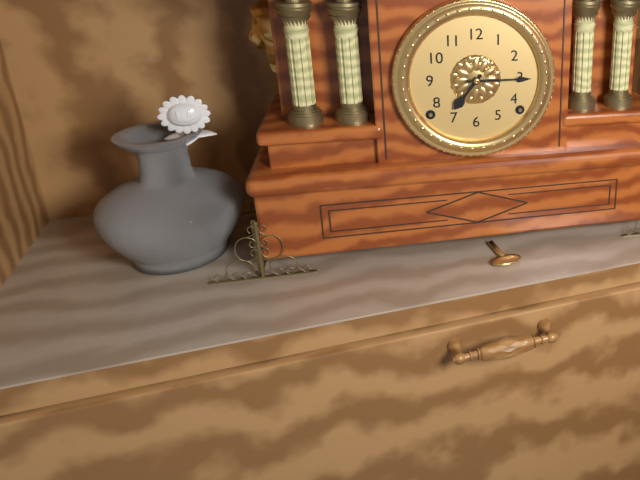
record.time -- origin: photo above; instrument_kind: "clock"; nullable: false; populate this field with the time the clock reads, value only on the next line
7:15
